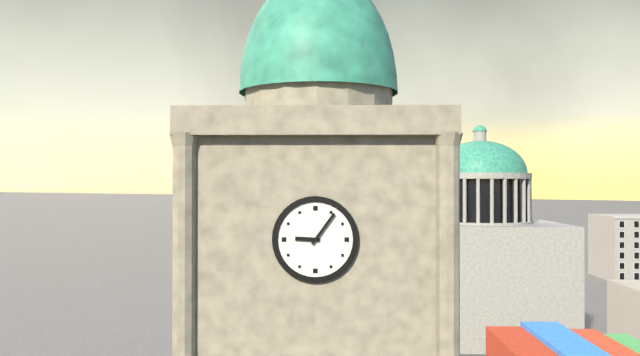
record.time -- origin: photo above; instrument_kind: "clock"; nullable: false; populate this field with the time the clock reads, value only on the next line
9:06
